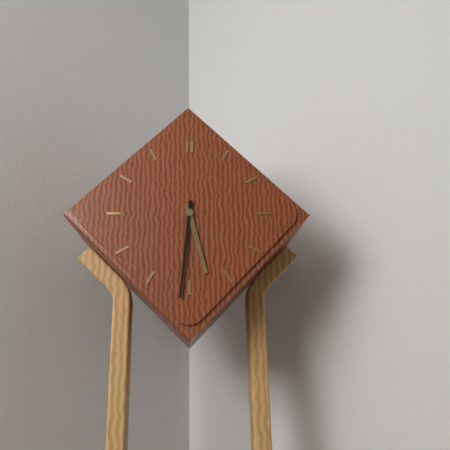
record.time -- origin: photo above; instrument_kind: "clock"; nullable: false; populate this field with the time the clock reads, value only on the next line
5:31
